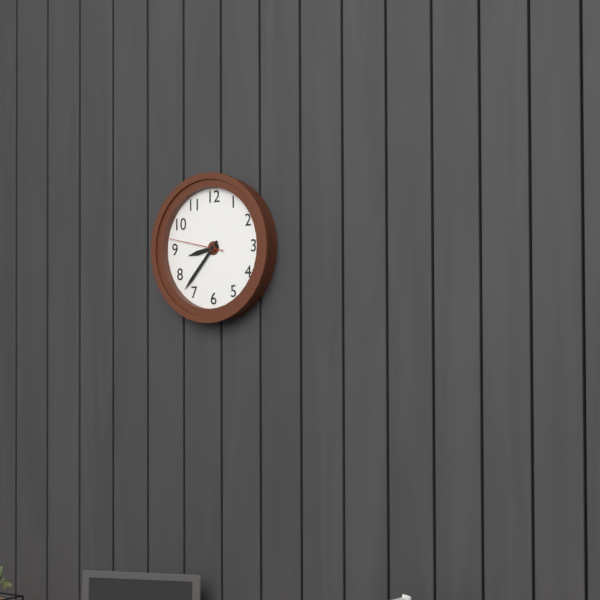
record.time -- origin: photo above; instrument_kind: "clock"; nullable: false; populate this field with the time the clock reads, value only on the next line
8:37:47
